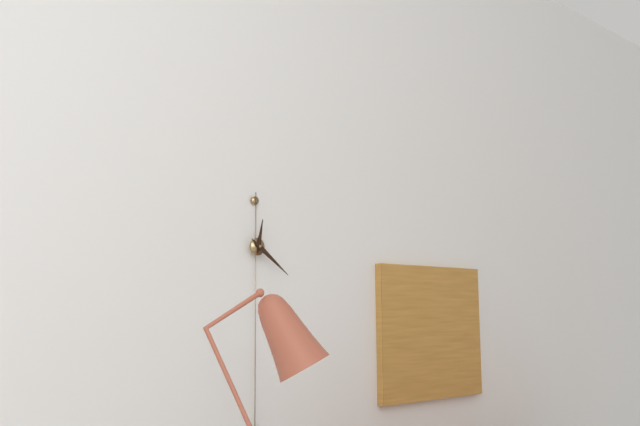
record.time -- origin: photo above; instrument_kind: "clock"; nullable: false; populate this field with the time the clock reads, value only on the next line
12:21
